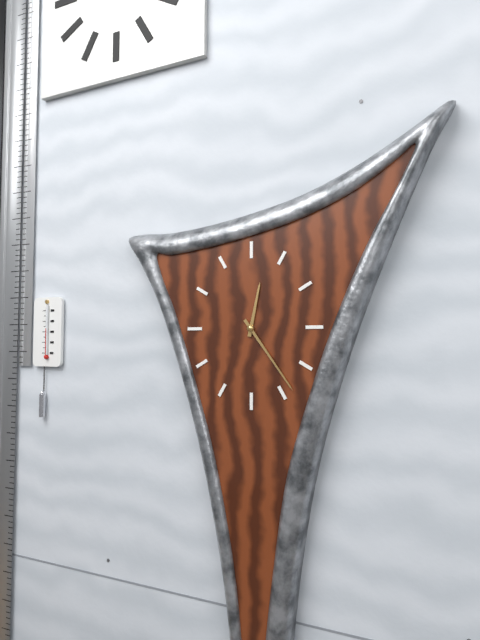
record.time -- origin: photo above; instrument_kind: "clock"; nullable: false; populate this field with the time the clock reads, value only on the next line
12:24
